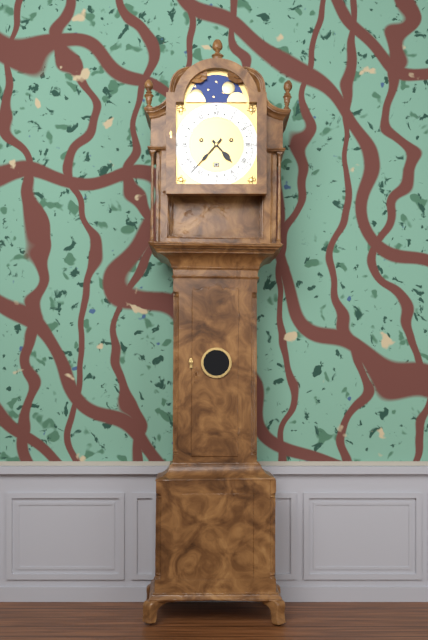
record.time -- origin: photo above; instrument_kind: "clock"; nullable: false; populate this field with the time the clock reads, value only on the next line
4:37
